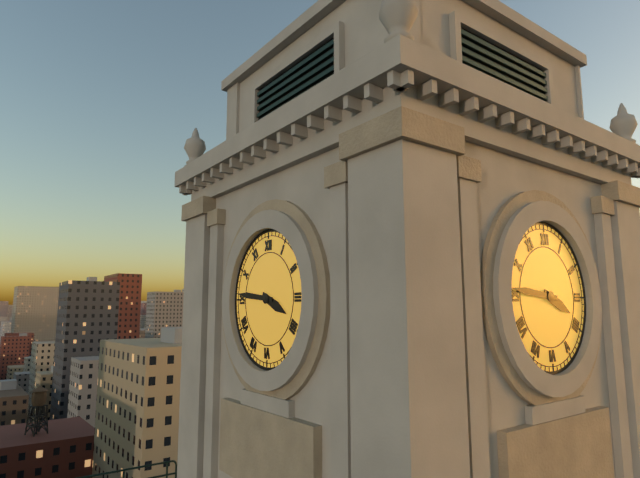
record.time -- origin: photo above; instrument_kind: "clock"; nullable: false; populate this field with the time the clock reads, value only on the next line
3:46
